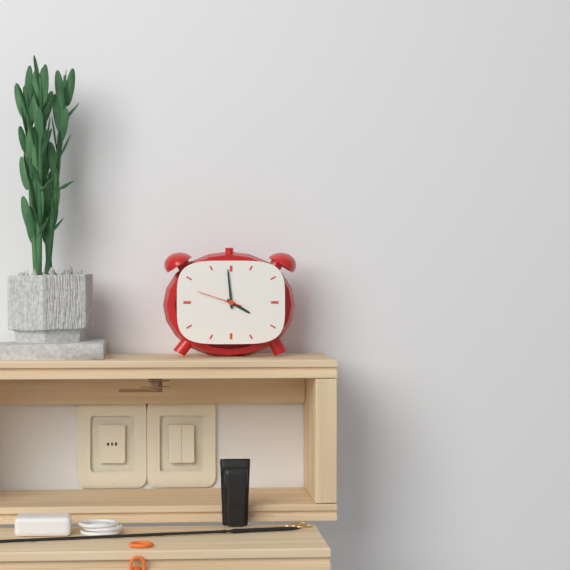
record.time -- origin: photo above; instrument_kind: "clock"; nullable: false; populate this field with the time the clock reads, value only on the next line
3:59
